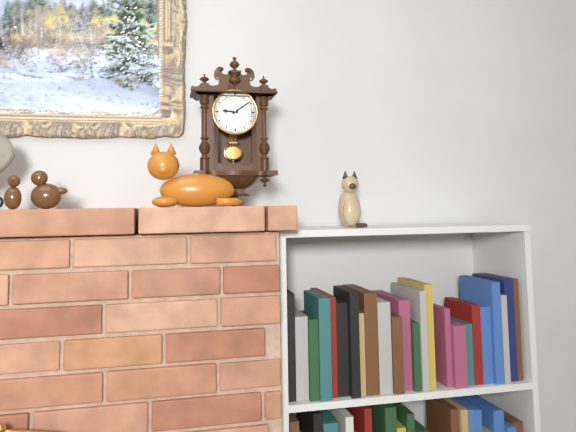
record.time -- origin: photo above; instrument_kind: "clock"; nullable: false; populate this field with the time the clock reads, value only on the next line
9:09
